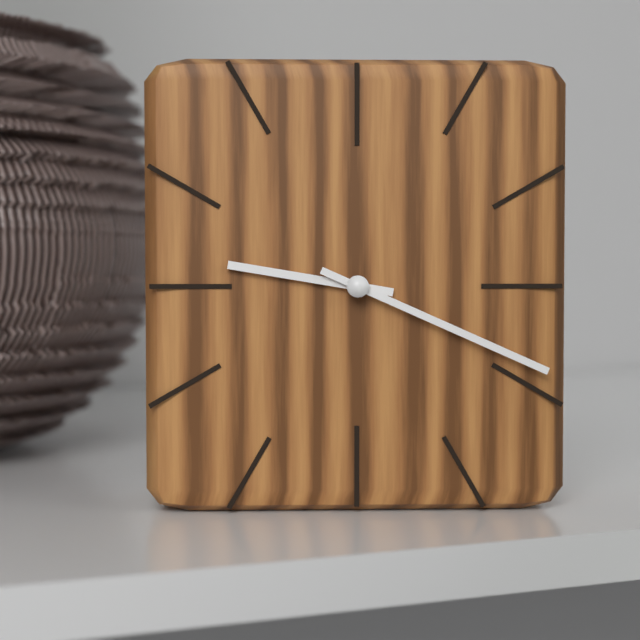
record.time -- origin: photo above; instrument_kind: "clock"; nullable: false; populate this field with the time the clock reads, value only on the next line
9:19
